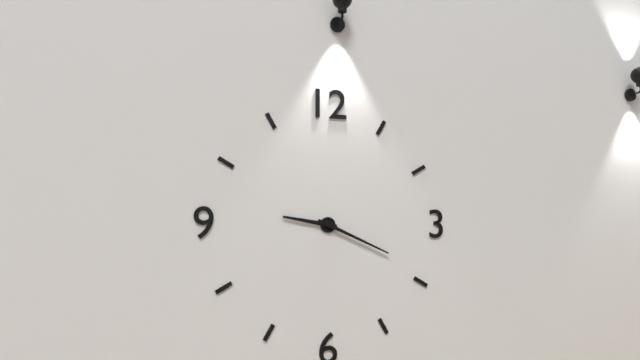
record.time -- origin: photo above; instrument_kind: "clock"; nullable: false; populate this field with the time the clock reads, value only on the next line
9:19
